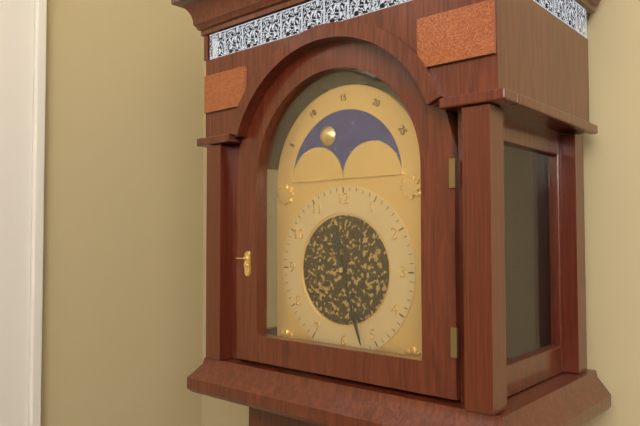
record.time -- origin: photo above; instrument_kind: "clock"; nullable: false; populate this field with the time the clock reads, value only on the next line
11:27
